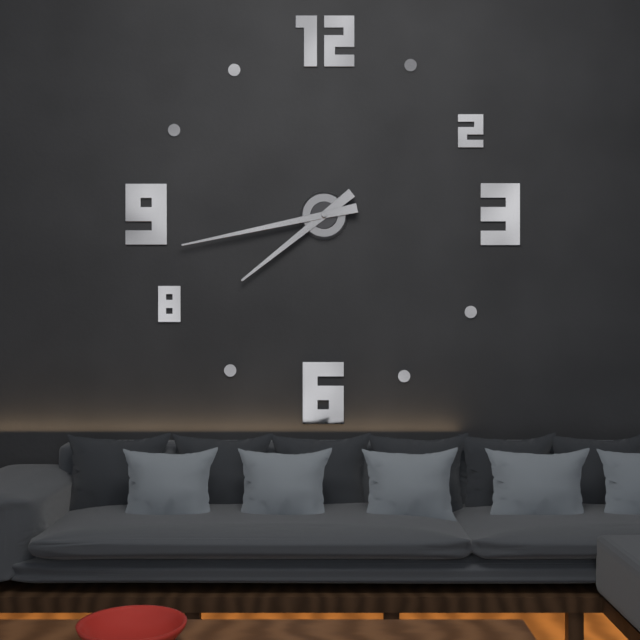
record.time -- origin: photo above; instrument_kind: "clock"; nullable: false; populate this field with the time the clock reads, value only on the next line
7:43
